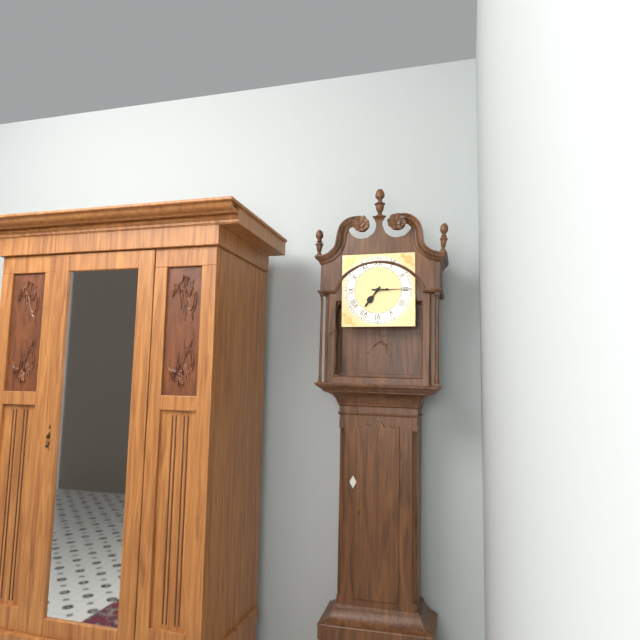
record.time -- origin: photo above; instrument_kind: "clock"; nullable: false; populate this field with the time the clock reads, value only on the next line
7:15
